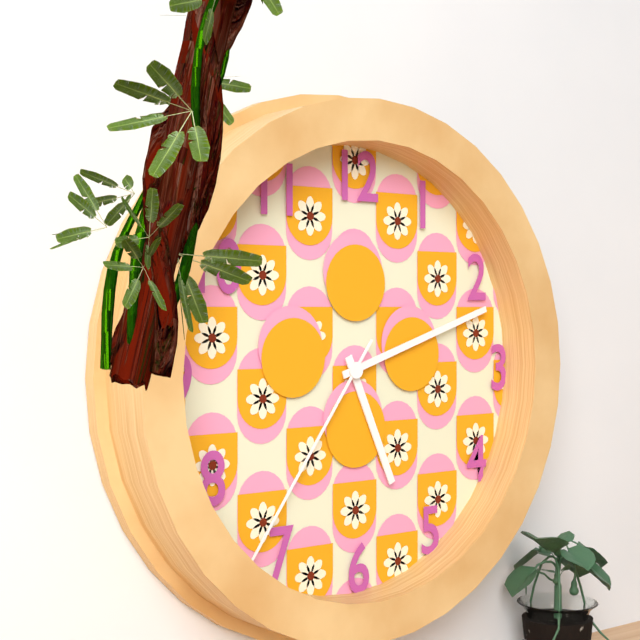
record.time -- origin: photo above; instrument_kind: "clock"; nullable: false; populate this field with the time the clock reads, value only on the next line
5:12:36
